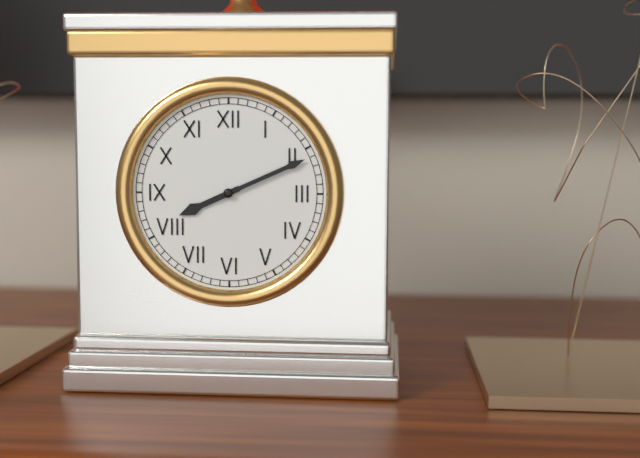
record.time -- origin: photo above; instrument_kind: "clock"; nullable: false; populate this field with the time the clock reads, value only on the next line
8:11
